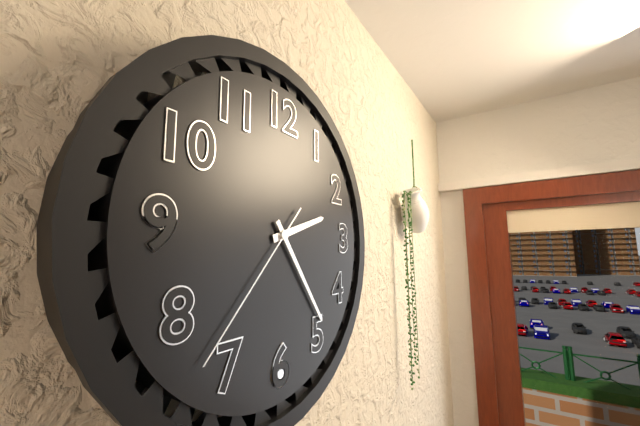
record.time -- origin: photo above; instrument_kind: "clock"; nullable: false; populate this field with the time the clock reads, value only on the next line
2:24:37
